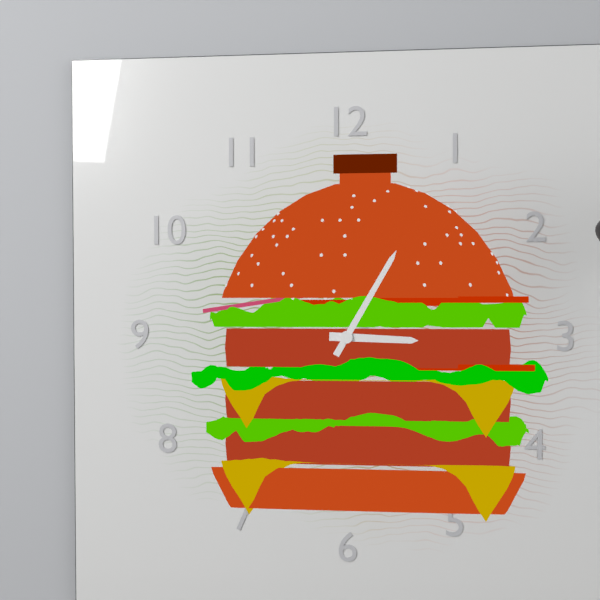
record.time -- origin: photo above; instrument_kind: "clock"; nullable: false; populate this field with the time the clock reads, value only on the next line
3:05
